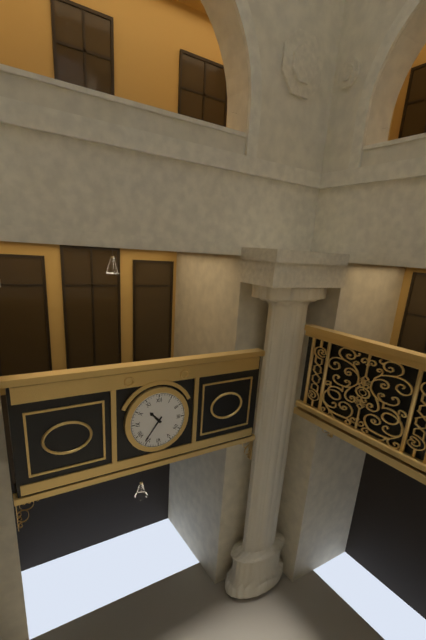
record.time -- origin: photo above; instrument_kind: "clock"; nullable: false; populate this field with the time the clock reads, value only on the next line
10:36
